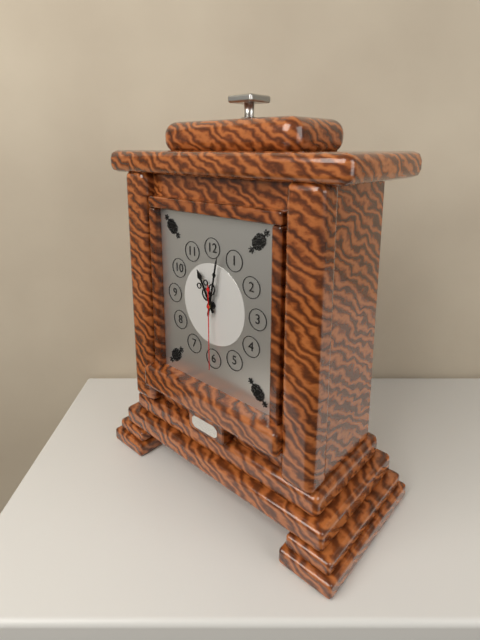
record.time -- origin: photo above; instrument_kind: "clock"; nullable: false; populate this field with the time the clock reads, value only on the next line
11:02:30
